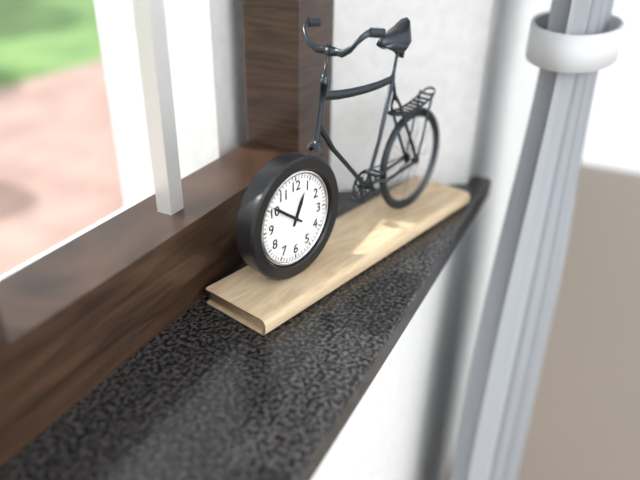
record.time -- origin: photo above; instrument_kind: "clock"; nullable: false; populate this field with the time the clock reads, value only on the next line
12:51
